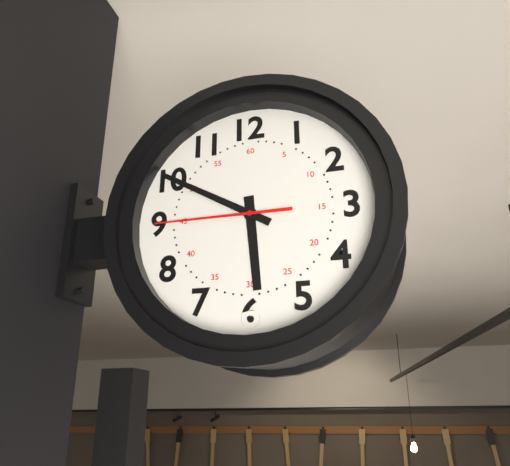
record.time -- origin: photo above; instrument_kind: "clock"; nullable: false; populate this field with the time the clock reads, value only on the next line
5:50:45
